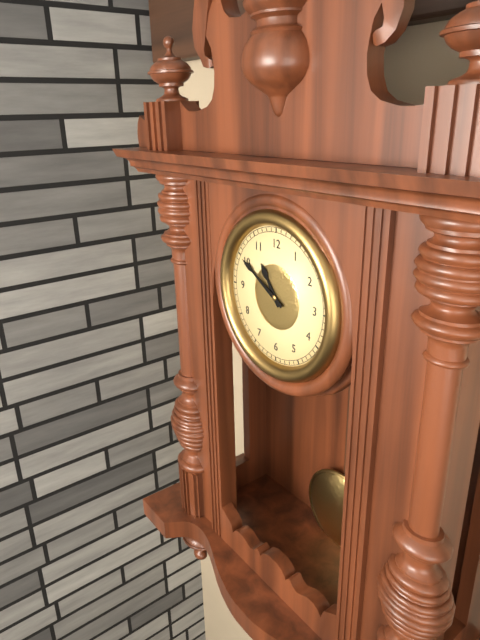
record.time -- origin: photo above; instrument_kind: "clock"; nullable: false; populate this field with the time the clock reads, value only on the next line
10:50
